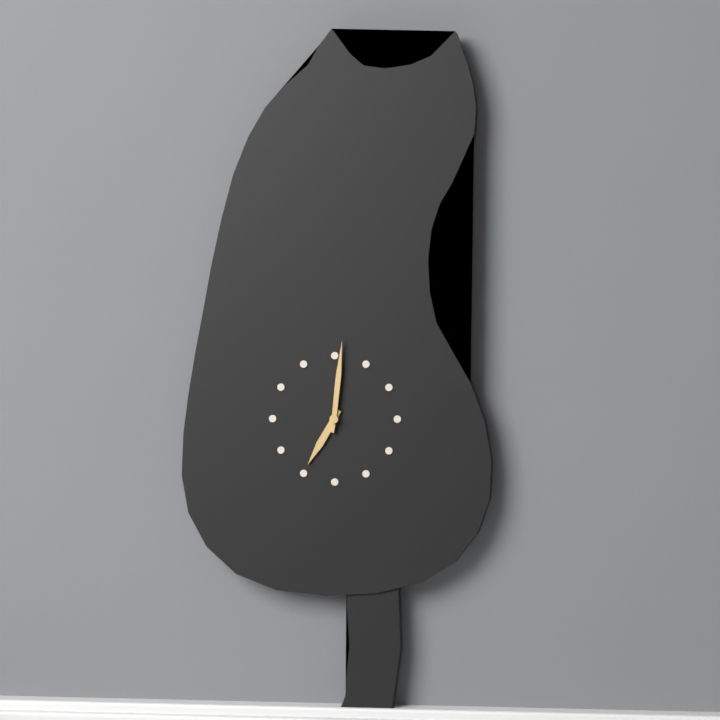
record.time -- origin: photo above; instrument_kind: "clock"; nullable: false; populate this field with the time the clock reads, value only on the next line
7:01
